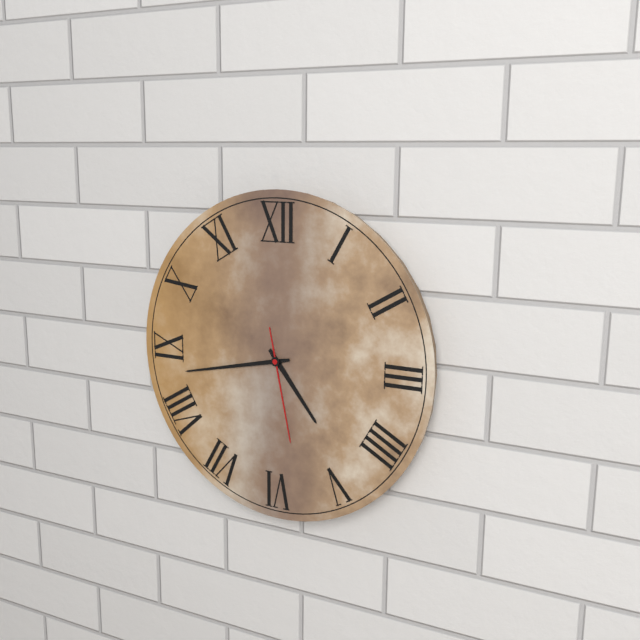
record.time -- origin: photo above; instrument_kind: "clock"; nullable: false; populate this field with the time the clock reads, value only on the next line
4:43:28
